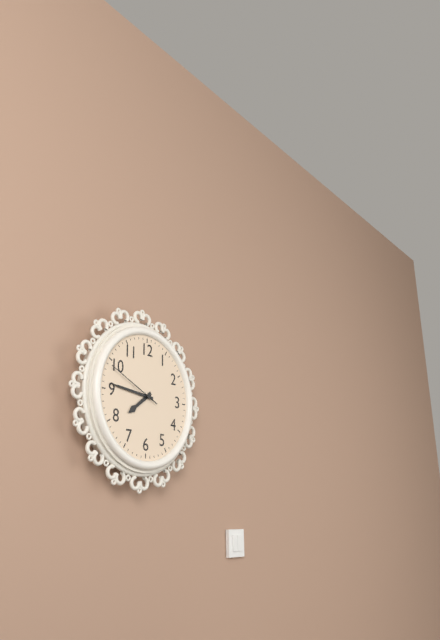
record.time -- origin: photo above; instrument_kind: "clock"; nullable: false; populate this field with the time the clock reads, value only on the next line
7:46:49
